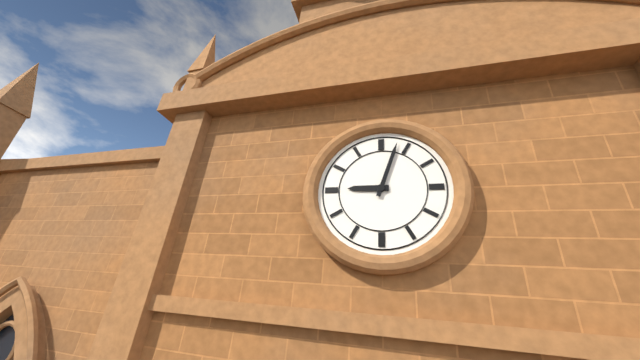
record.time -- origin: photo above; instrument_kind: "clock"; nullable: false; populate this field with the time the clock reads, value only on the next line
9:03
